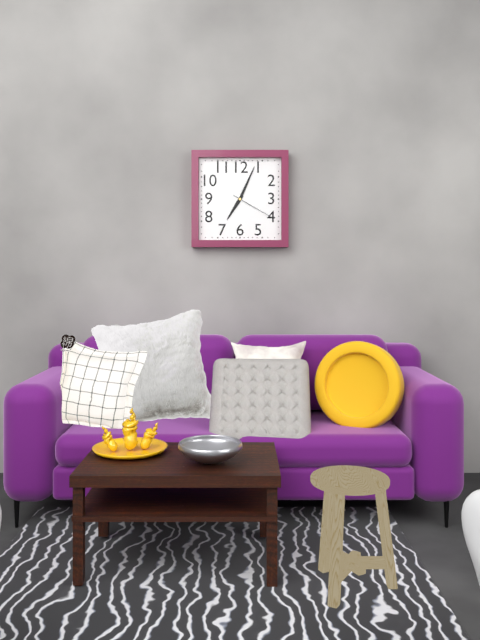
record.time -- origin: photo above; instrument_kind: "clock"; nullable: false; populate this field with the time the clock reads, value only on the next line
7:04
